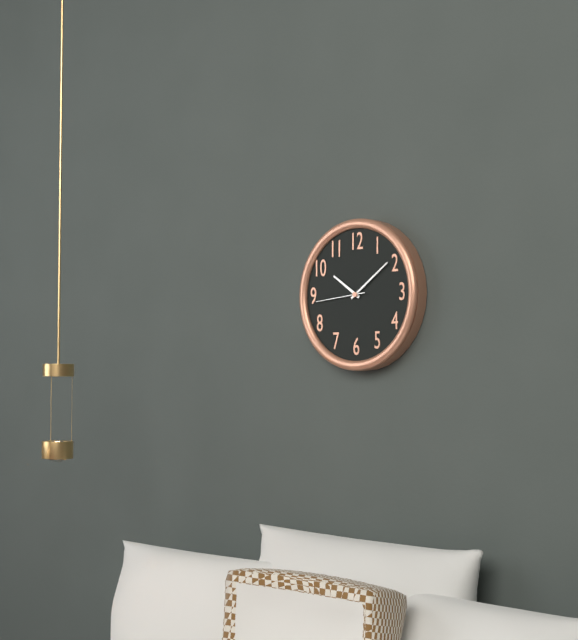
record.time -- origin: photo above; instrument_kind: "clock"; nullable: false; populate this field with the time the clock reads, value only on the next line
10:09:44
